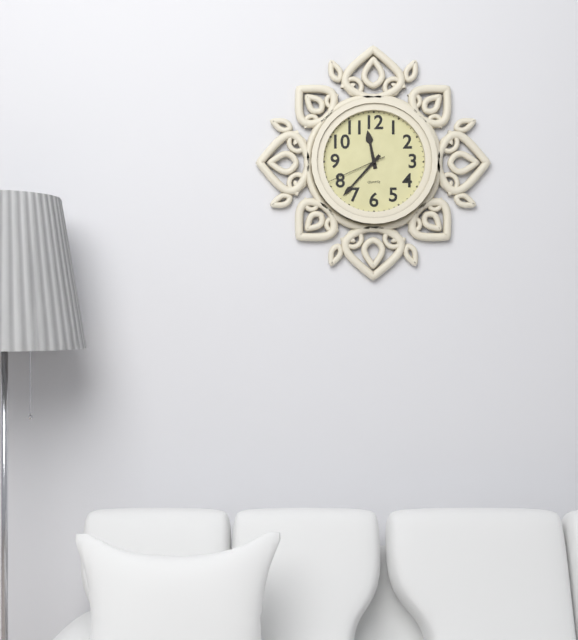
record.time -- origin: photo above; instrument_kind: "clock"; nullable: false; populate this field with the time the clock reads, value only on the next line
11:37:41
